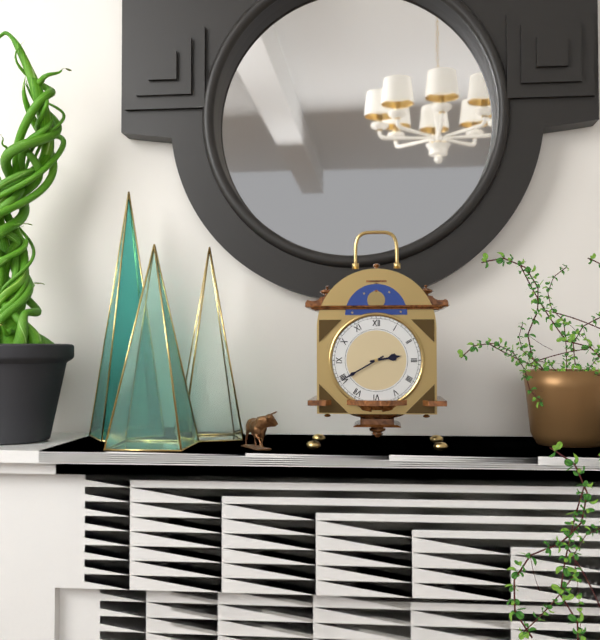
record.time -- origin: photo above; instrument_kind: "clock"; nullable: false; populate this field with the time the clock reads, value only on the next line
2:40
